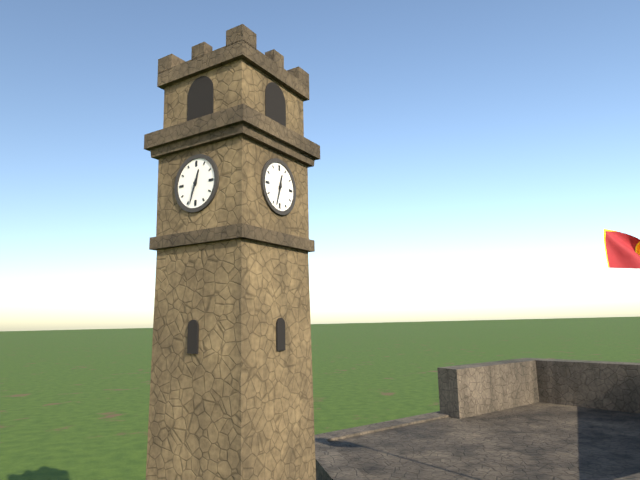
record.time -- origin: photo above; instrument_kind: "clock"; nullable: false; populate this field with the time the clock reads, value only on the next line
12:33
